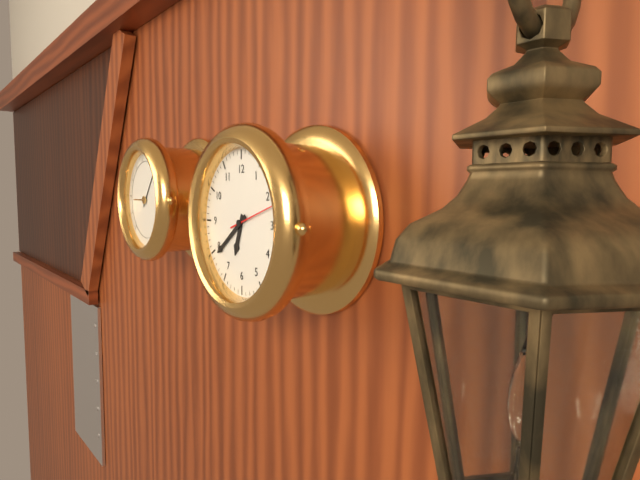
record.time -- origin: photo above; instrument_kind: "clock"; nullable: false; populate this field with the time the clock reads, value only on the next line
6:39
